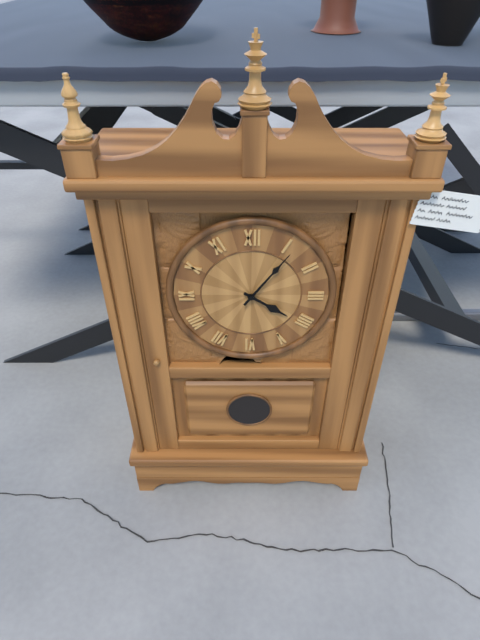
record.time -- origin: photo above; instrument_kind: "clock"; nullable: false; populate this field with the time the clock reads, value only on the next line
4:06
